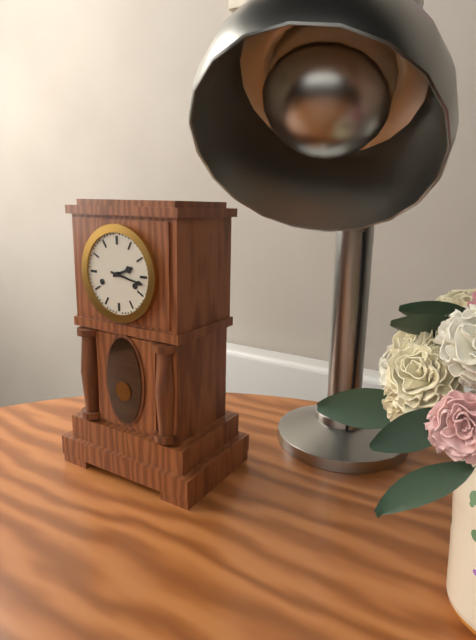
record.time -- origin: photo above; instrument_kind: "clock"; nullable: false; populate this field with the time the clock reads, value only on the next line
2:17
